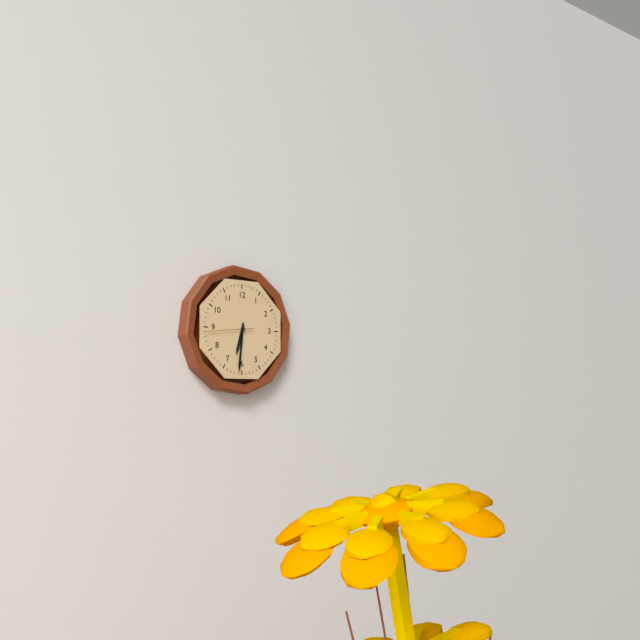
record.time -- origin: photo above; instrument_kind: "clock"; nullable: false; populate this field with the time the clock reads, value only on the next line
6:31
